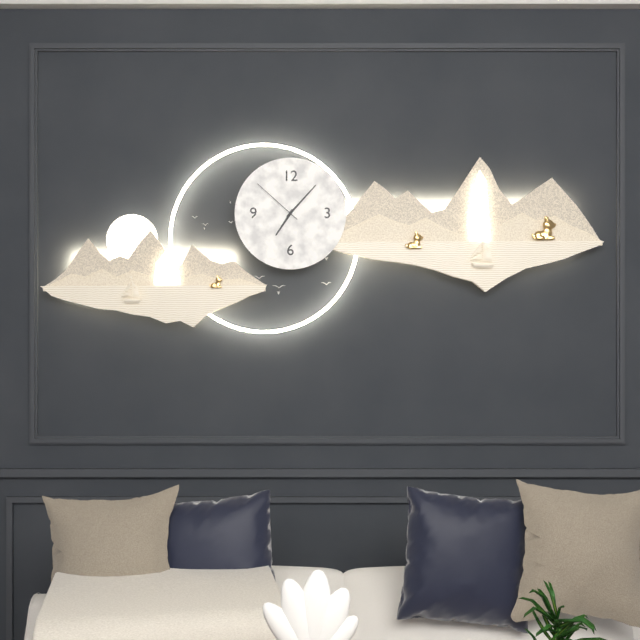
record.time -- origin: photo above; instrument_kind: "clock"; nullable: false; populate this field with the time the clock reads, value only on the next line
7:07:52
